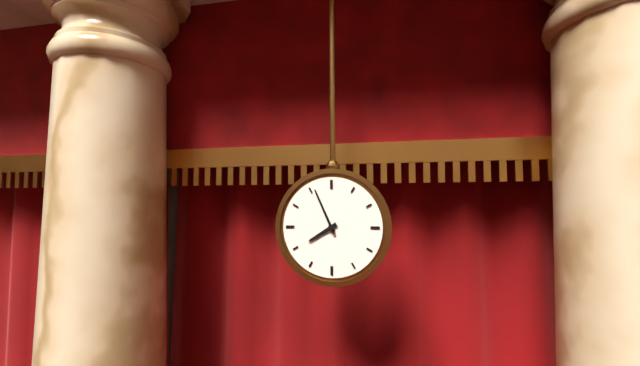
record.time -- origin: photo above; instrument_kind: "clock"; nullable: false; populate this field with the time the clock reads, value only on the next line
7:56
